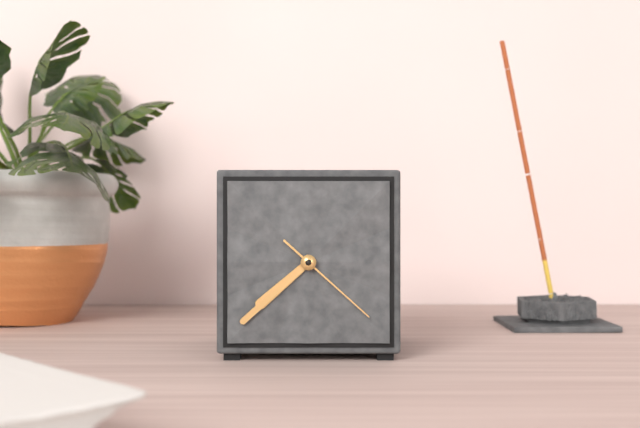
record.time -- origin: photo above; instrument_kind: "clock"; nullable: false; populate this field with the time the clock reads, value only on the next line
7:38:22
